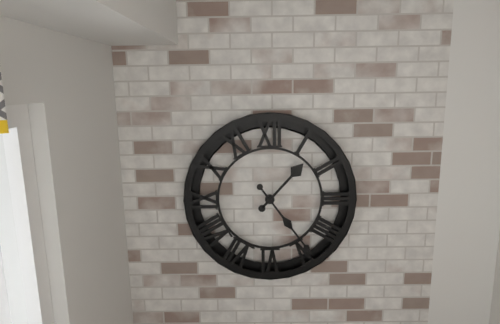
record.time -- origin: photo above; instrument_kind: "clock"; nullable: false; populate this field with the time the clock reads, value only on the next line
1:24
